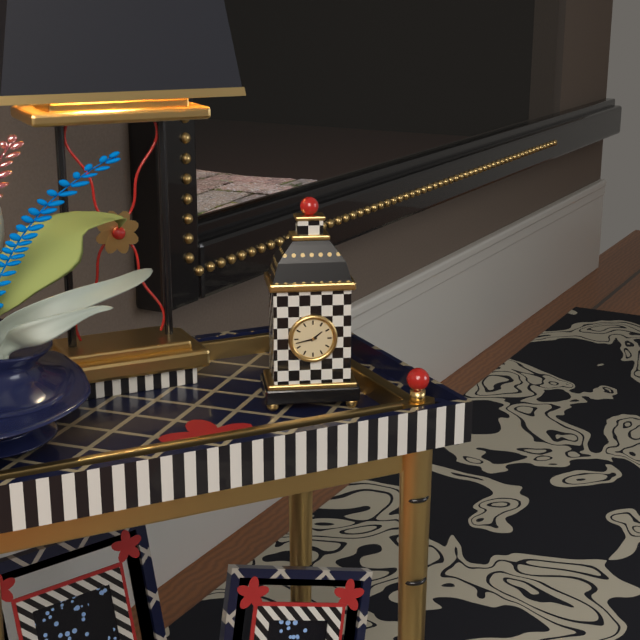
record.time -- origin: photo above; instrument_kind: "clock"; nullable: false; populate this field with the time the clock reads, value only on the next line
1:43
